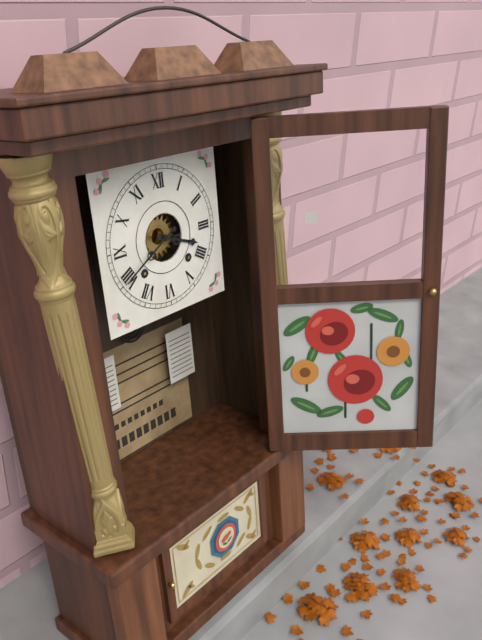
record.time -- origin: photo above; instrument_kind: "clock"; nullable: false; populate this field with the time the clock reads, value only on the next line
3:40
